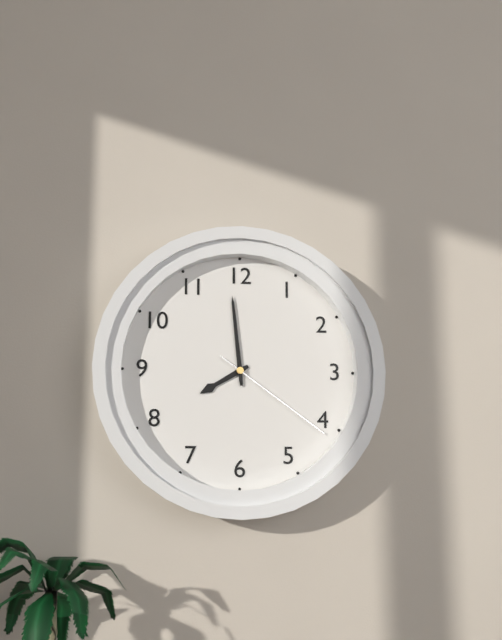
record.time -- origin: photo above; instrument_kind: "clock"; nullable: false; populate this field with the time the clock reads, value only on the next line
7:59:21
